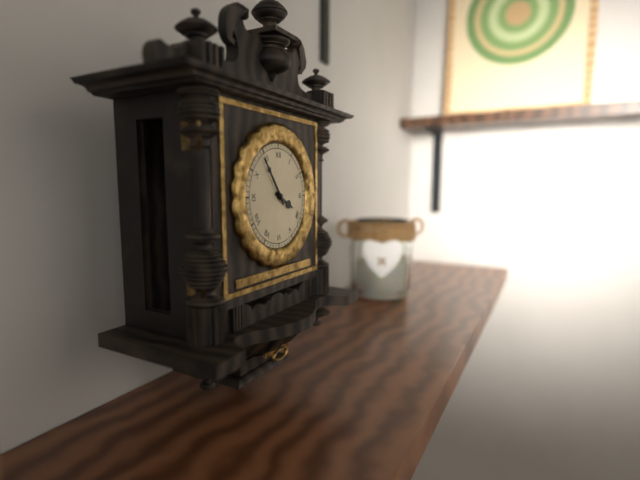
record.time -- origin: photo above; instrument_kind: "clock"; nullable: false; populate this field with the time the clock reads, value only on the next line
3:54
